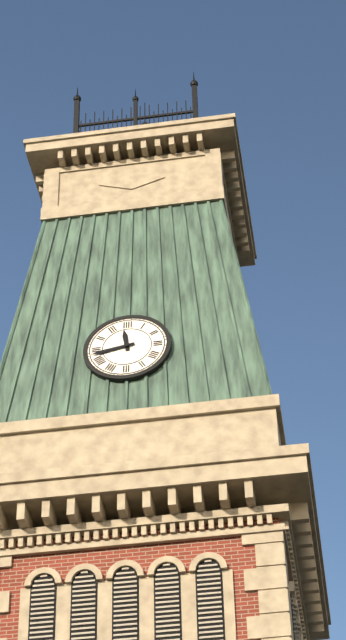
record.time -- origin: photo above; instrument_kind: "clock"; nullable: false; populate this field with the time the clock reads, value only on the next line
11:43
